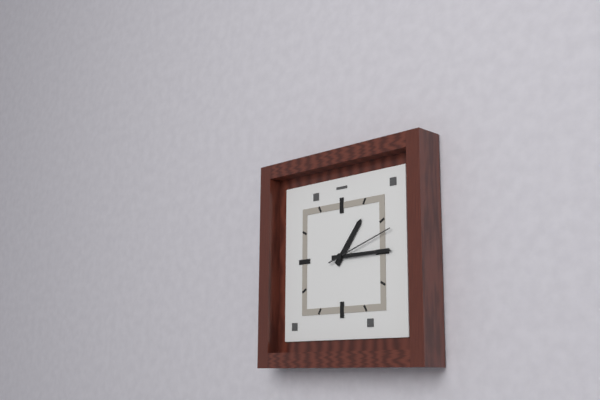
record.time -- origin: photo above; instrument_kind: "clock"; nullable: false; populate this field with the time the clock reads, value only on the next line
1:15:12
